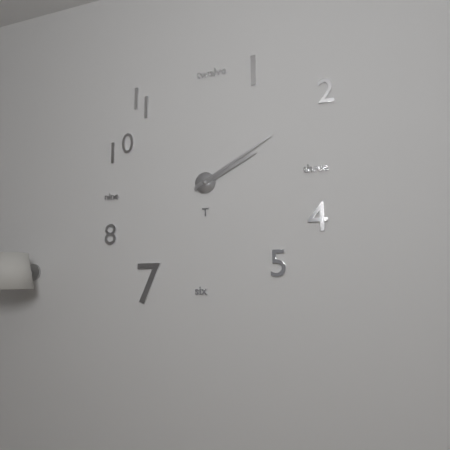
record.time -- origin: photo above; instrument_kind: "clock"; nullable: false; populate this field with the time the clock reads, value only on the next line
2:10
